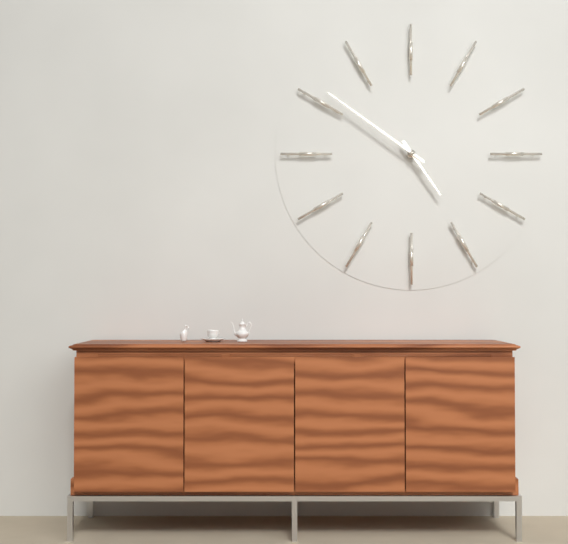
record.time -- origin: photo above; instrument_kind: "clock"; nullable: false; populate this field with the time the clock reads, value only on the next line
4:51
